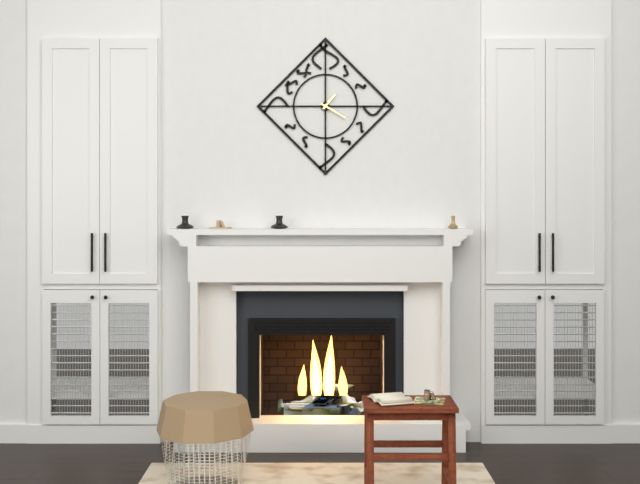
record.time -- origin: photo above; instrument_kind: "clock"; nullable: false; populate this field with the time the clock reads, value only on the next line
1:20
